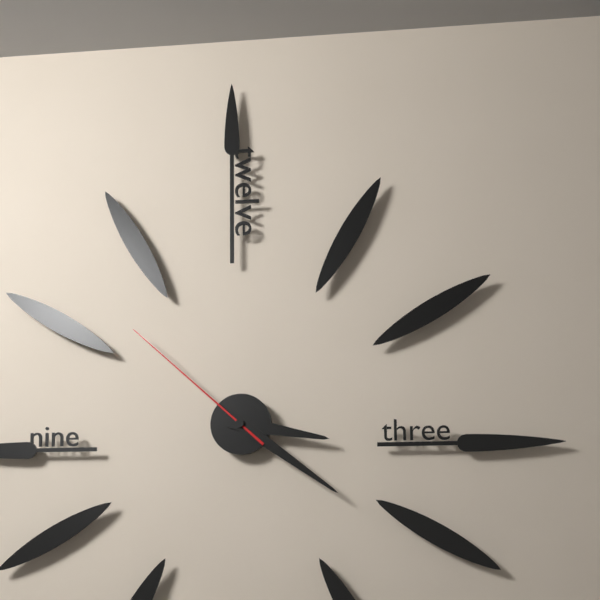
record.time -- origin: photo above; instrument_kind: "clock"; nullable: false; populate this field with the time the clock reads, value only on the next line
3:21:52
